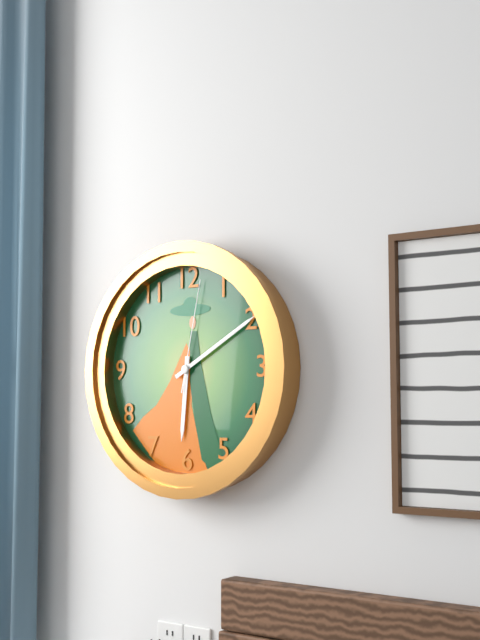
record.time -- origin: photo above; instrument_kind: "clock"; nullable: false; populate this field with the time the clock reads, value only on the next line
6:10:02
